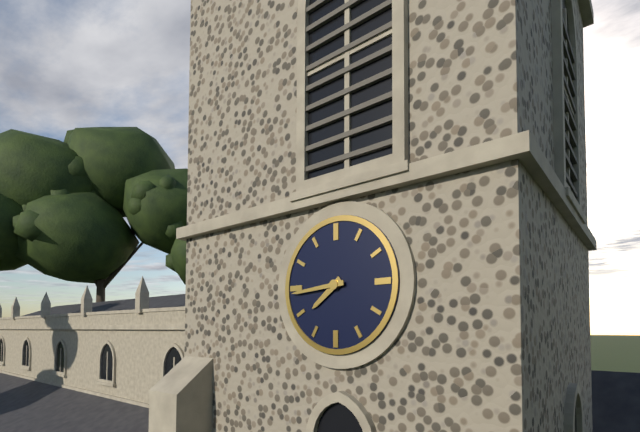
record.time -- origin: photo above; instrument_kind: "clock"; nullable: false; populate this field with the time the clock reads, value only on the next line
7:44
